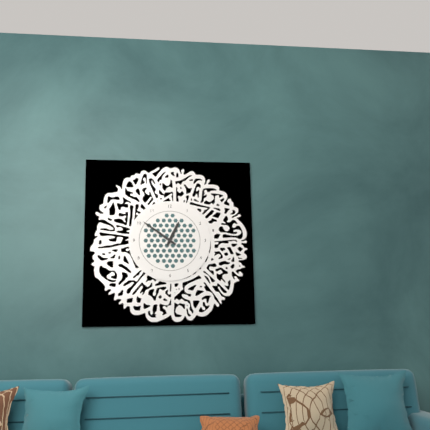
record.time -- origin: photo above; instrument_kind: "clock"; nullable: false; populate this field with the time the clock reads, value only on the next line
12:51
